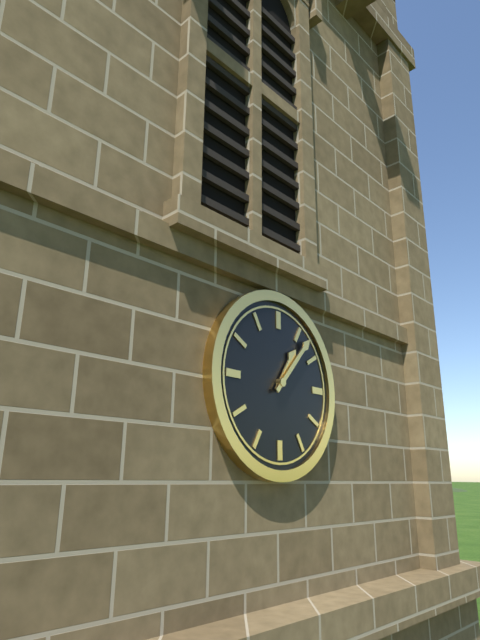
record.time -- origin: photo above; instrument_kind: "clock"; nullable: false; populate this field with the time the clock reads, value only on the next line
1:07
